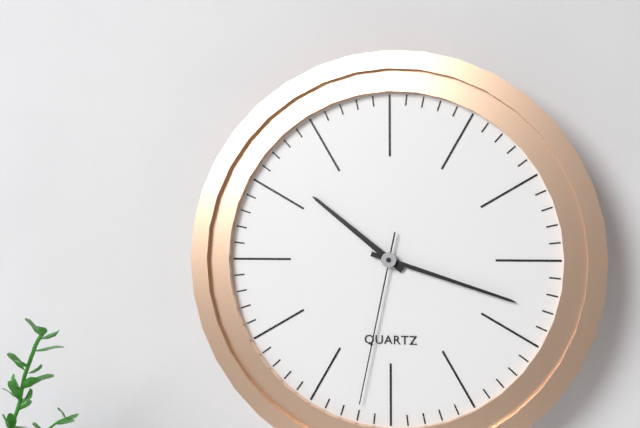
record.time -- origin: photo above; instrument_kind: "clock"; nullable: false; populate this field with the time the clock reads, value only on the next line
10:18:32
